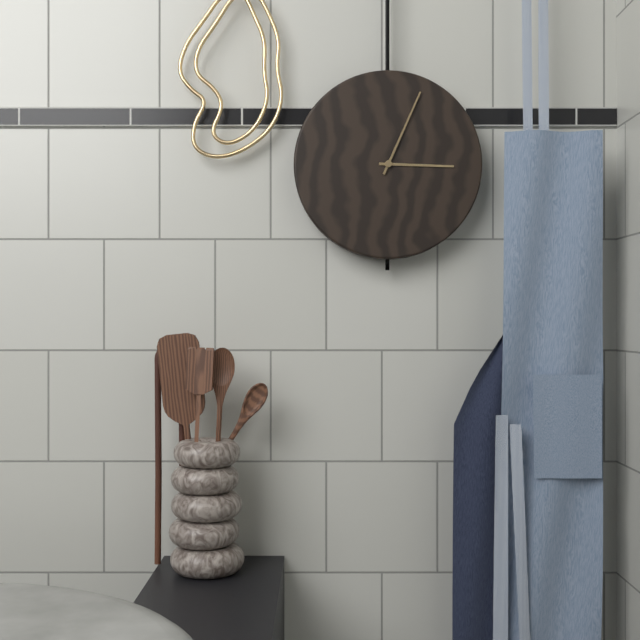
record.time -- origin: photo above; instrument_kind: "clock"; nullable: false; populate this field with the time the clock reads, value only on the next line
3:04
